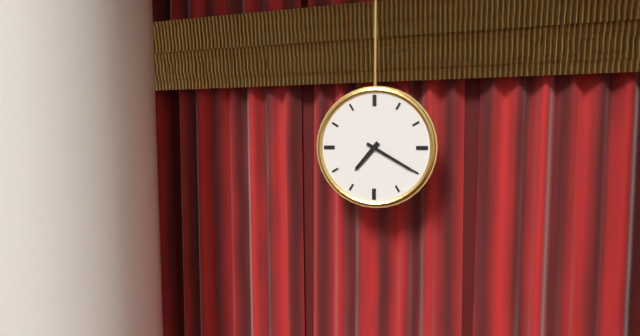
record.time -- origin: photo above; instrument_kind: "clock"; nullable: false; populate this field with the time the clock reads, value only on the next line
7:20
